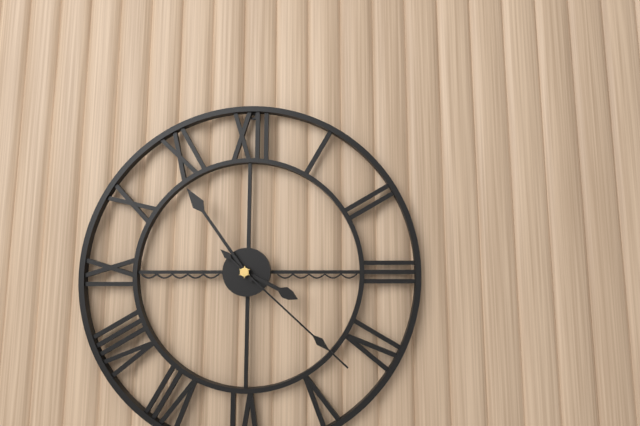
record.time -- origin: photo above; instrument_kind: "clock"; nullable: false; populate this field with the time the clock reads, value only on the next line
3:54:22
